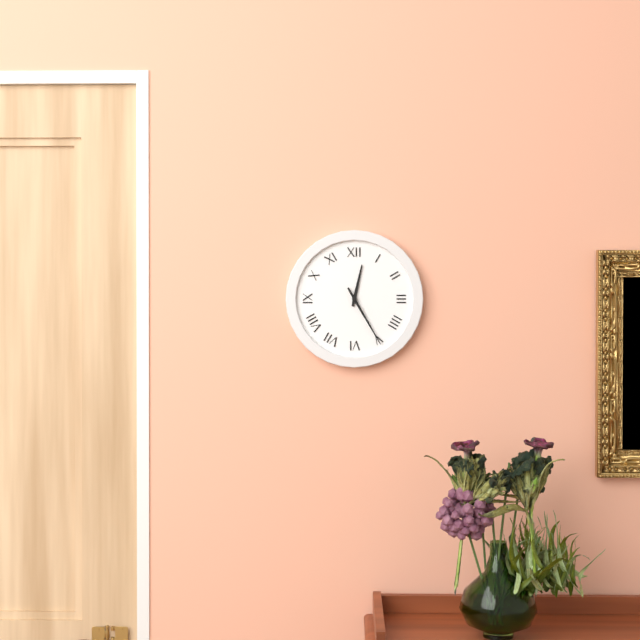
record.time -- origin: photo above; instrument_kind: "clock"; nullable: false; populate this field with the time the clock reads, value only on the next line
12:25
